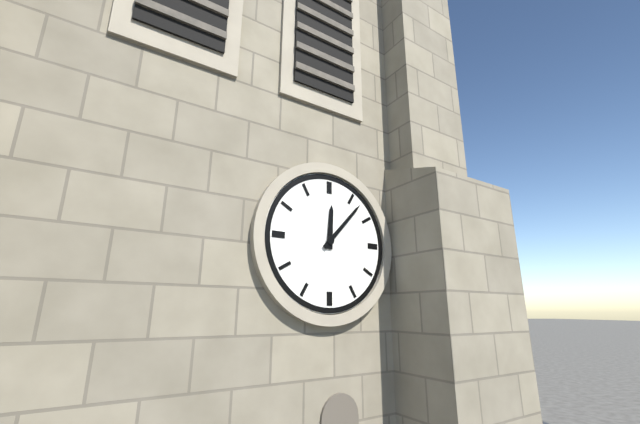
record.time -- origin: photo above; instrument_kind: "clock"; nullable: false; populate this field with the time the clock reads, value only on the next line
12:07
